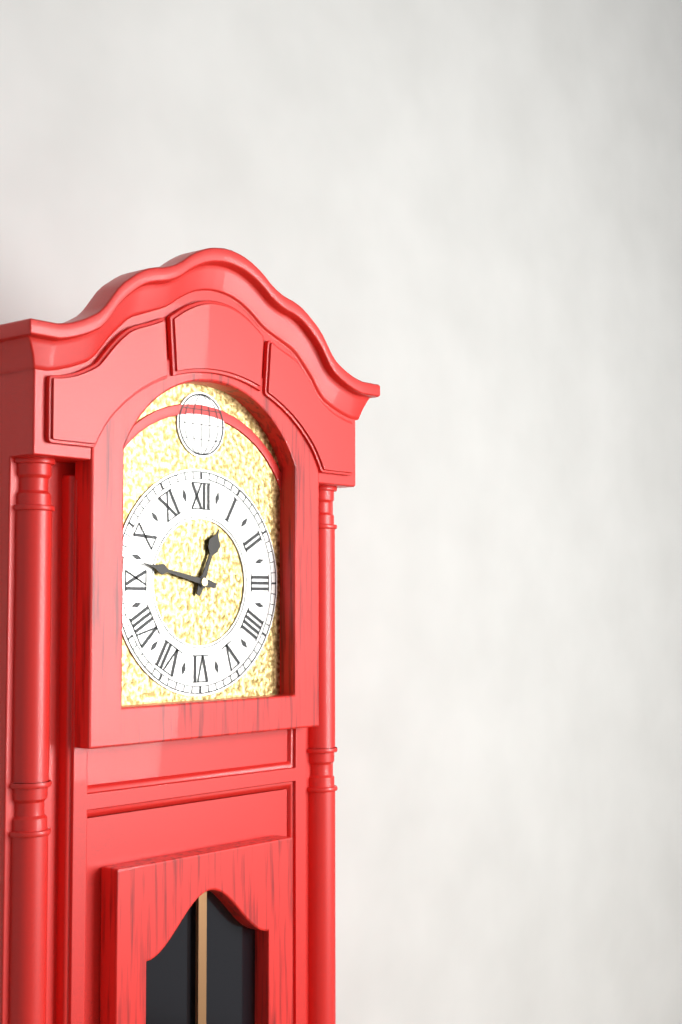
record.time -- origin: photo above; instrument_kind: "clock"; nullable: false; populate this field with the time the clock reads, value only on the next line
12:47
